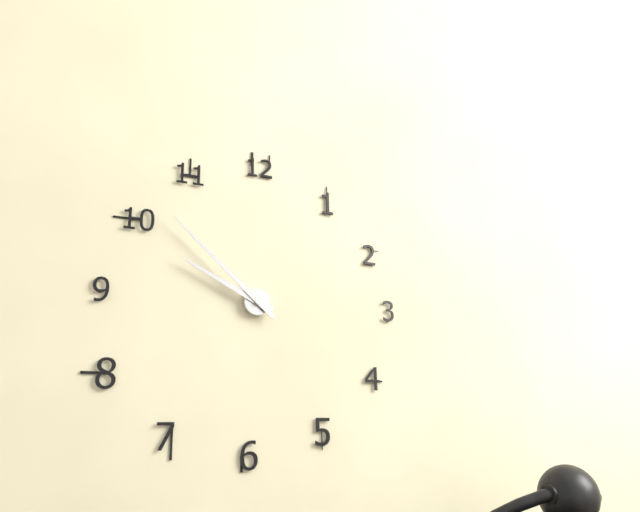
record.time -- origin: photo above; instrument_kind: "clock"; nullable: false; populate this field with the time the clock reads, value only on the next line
9:52
